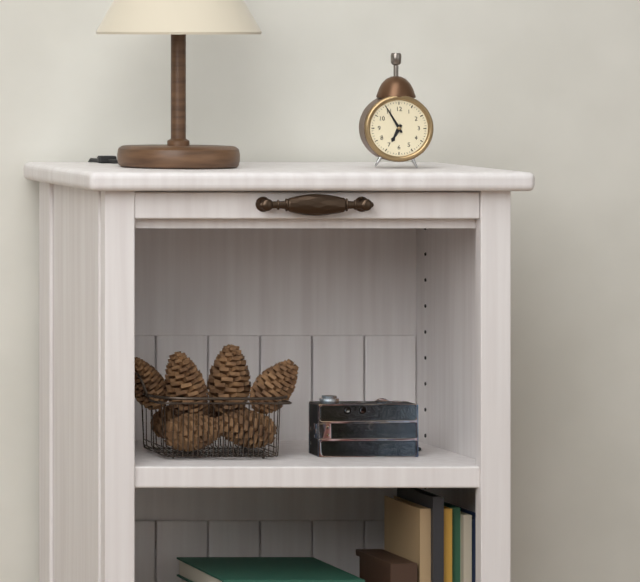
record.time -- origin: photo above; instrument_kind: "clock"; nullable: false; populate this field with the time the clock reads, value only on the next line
6:55
